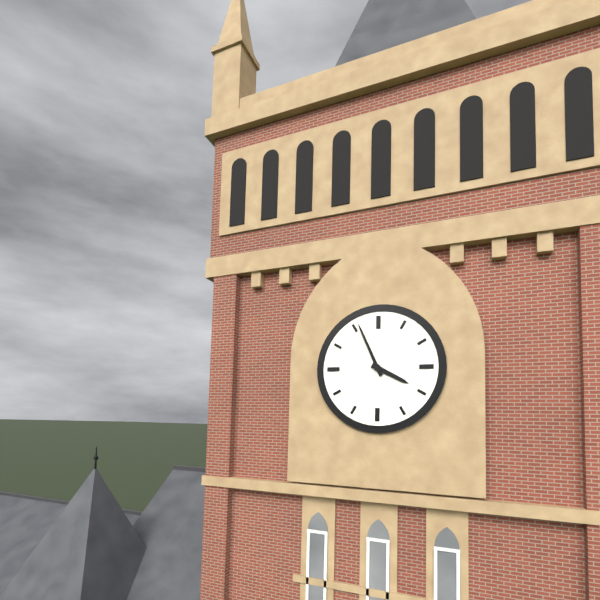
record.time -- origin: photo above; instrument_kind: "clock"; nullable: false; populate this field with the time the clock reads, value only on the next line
3:56
